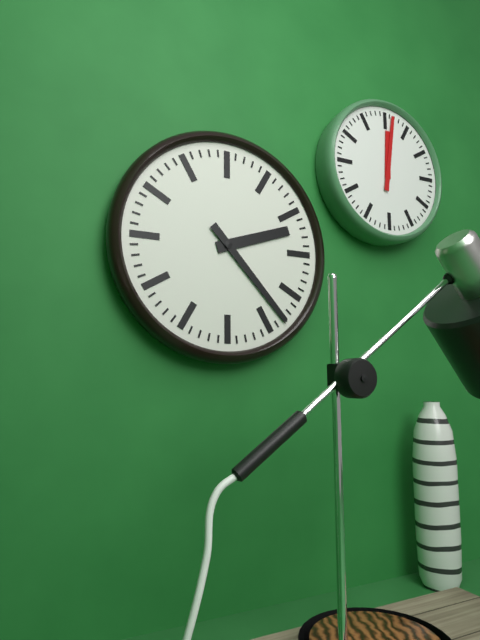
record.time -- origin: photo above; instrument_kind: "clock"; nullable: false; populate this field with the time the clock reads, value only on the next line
2:23
